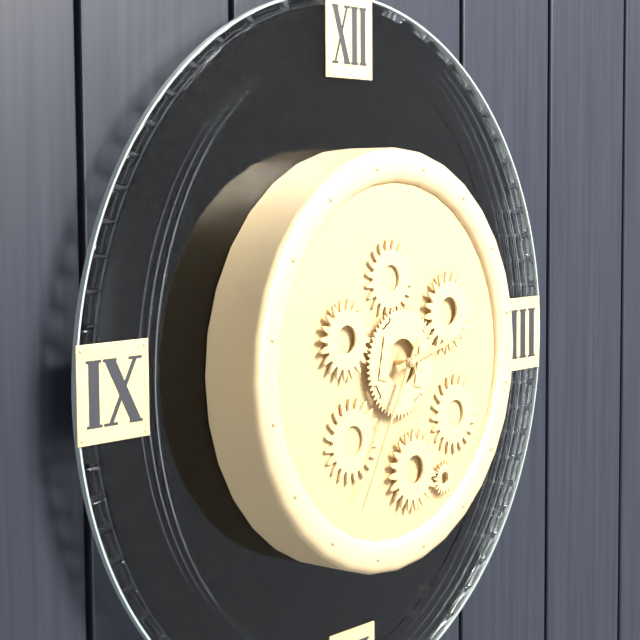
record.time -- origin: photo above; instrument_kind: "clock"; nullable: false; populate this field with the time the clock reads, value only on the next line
2:35
